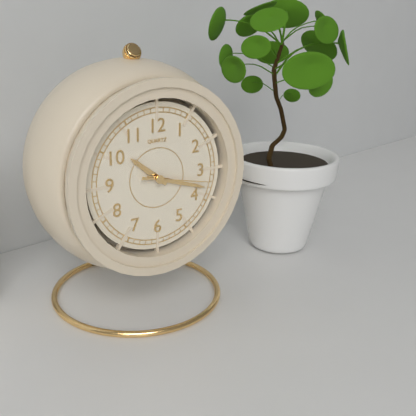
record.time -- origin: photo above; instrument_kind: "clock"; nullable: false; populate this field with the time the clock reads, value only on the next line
10:18:17
